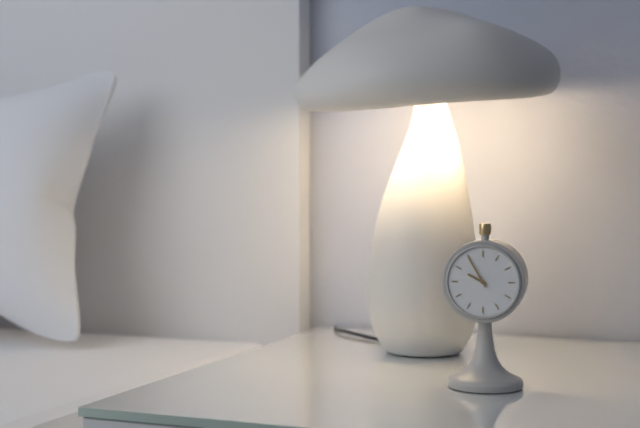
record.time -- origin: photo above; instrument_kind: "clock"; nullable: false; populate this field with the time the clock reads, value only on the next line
9:55
